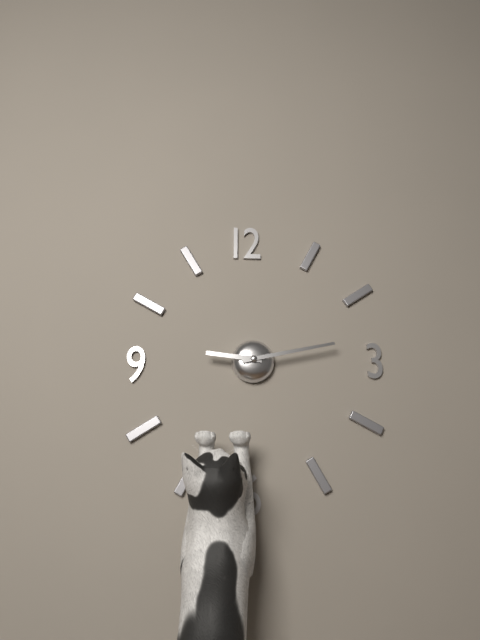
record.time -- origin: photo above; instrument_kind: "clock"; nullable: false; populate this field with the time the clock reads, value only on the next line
9:13
